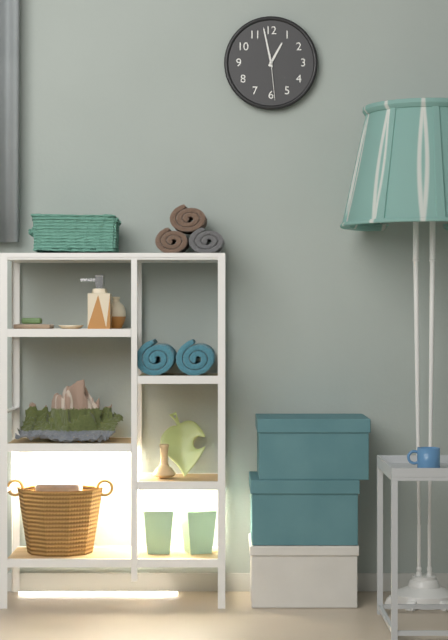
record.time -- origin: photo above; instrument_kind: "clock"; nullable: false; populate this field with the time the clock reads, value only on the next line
12:58
